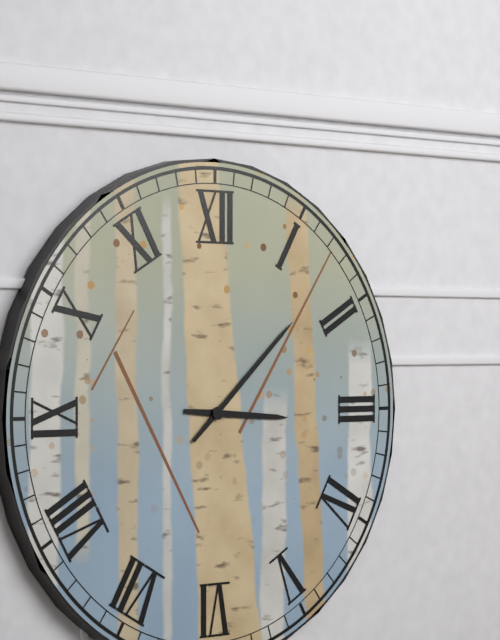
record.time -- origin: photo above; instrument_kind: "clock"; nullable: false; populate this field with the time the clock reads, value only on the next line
3:08
